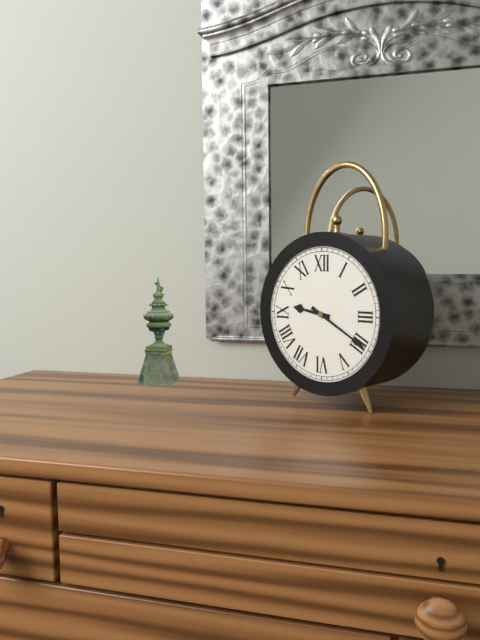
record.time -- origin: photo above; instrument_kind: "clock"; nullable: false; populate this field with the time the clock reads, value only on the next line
9:20
